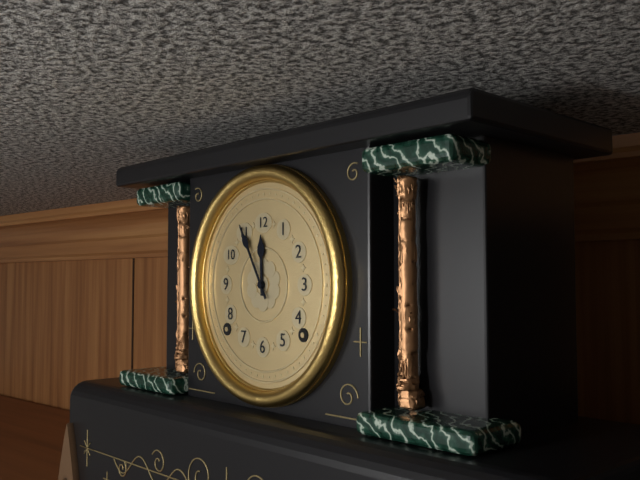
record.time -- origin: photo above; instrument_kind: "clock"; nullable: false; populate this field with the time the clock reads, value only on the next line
11:55
